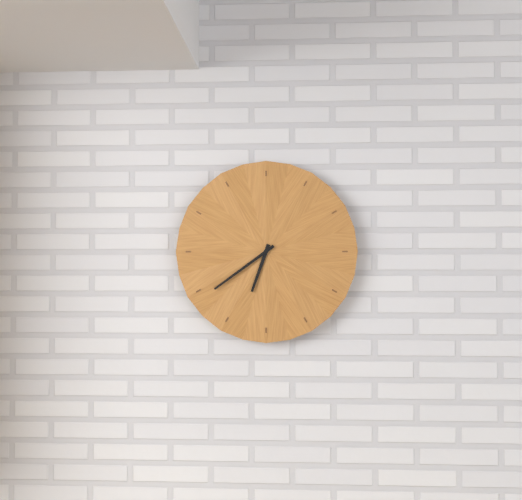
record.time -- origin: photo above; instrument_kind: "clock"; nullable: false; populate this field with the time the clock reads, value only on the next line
6:39
